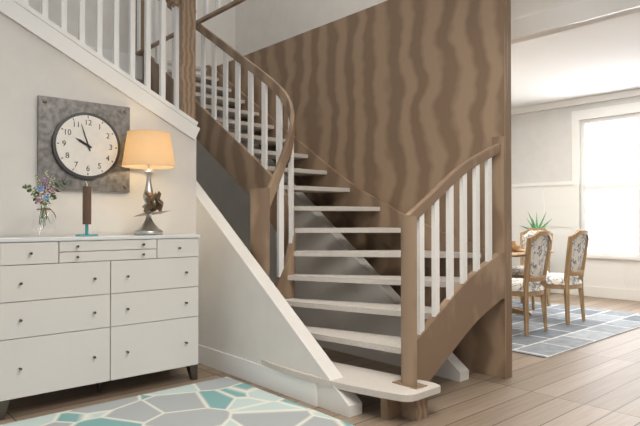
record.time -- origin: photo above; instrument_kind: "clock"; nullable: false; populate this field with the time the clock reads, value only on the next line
9:57
